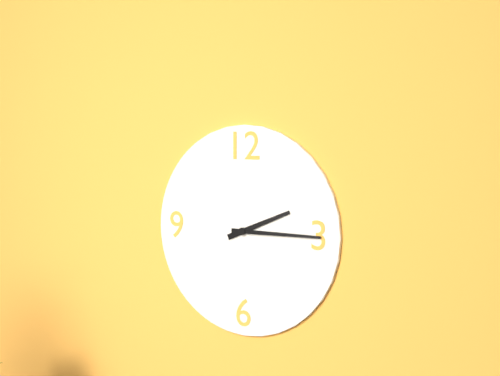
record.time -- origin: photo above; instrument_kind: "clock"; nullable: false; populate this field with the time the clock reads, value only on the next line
2:15
